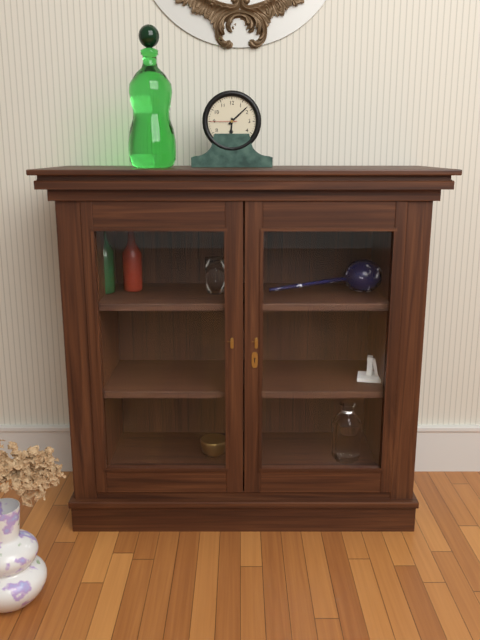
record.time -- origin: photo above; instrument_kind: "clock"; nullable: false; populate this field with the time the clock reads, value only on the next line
6:08
